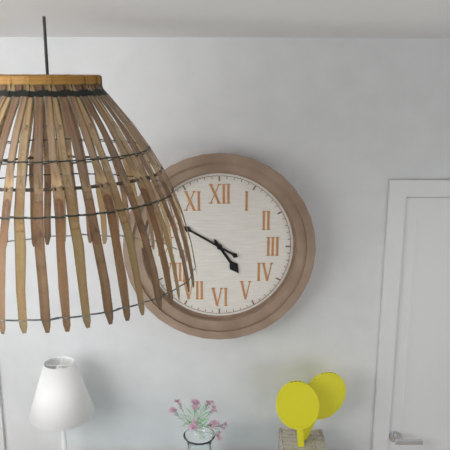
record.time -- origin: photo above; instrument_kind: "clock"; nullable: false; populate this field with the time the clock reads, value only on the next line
4:50
